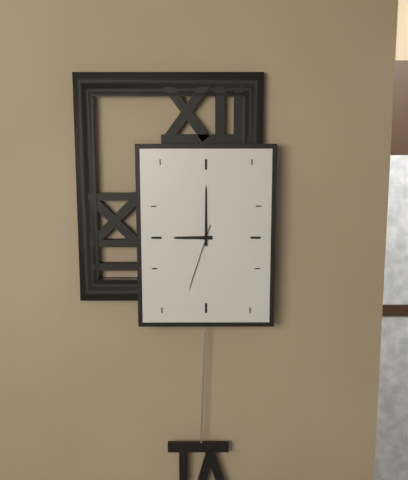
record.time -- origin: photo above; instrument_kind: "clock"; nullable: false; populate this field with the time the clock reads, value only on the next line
9:00:33
